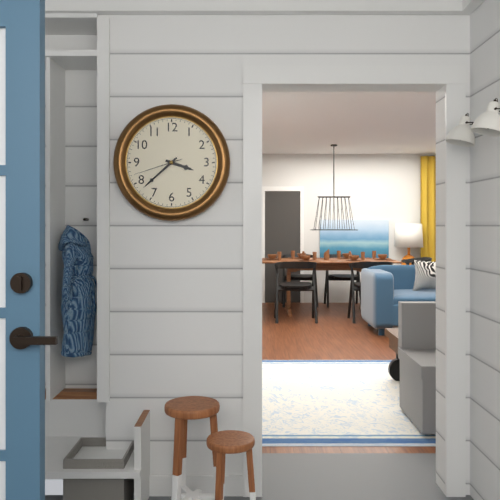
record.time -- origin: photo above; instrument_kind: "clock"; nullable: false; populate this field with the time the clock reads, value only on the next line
3:38:42
